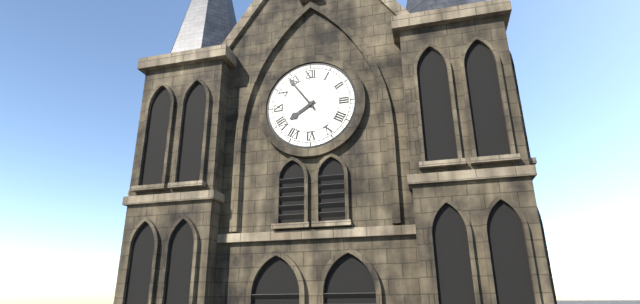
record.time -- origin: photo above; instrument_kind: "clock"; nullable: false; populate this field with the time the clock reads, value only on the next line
7:54
